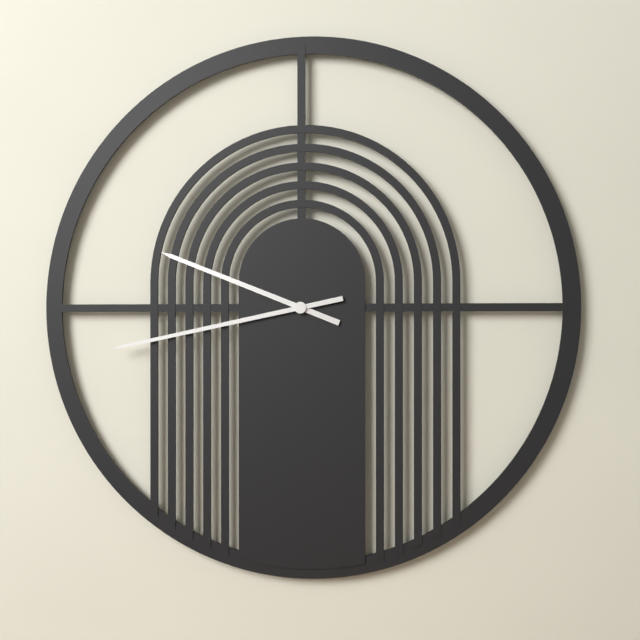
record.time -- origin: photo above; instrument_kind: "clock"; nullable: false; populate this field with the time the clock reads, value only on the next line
9:43
